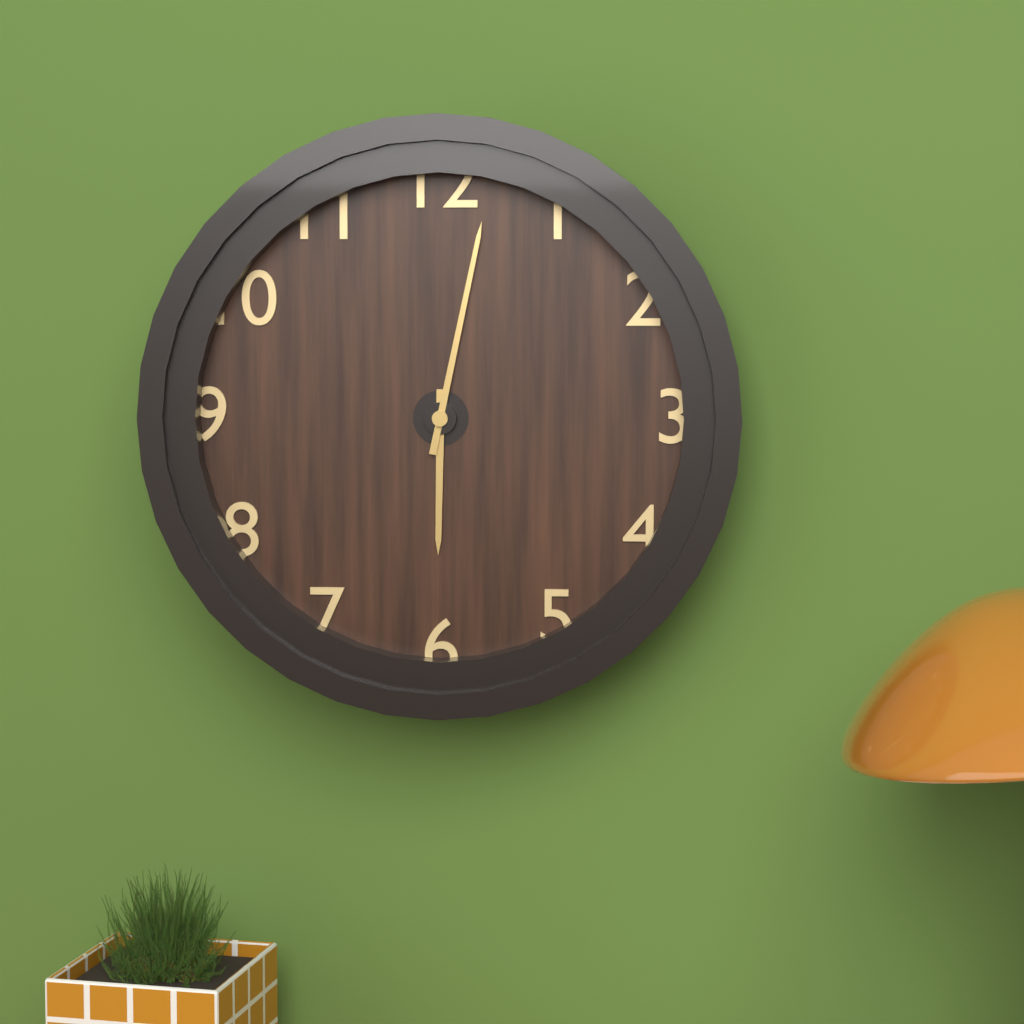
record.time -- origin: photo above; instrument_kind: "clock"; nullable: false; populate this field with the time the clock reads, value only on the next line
6:02
